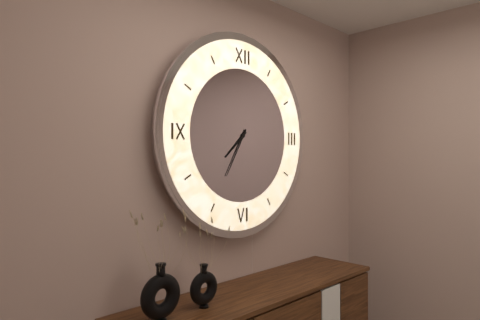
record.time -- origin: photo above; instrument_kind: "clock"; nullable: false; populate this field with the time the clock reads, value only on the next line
7:35
